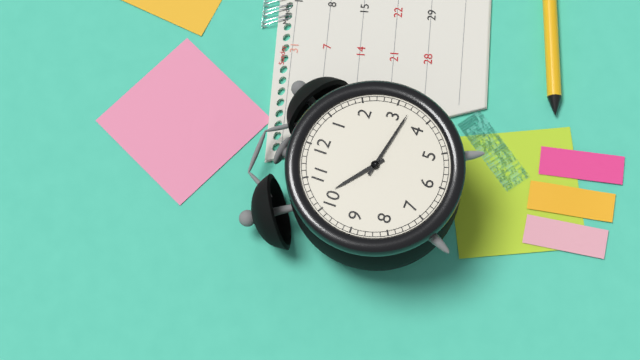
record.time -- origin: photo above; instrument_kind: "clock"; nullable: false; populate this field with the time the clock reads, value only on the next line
10:17
